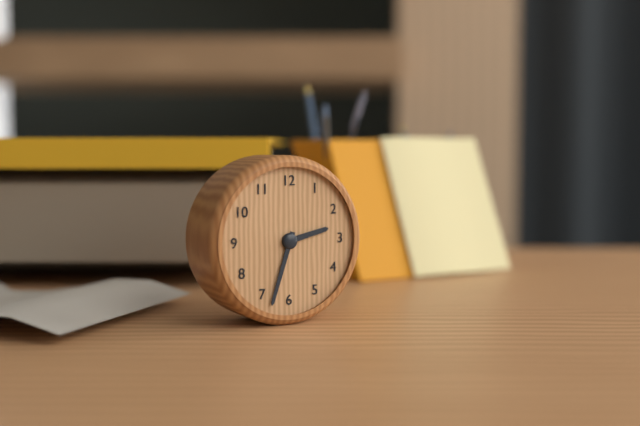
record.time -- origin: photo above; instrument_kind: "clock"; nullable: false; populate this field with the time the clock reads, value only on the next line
2:33
